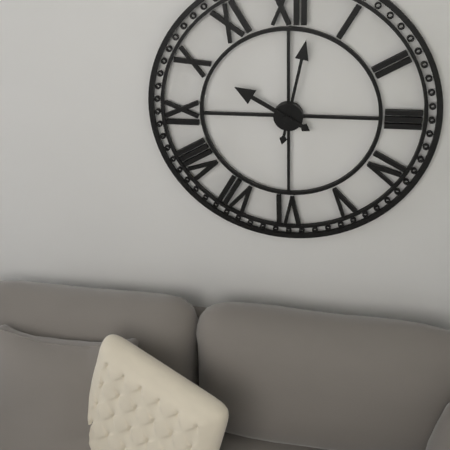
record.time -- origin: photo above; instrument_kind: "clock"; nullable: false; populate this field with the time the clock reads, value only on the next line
10:02
